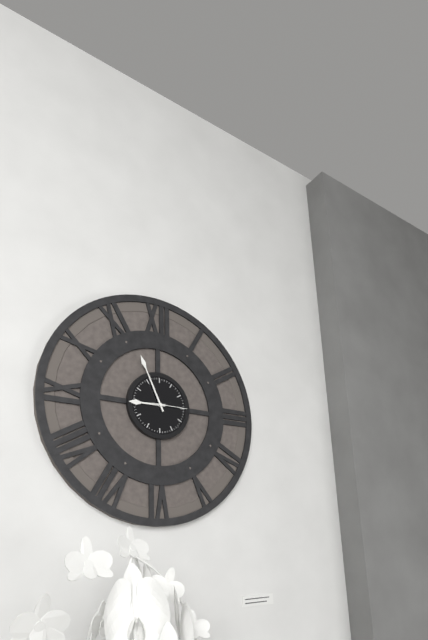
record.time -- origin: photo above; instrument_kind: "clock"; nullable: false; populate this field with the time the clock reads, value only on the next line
8:56
